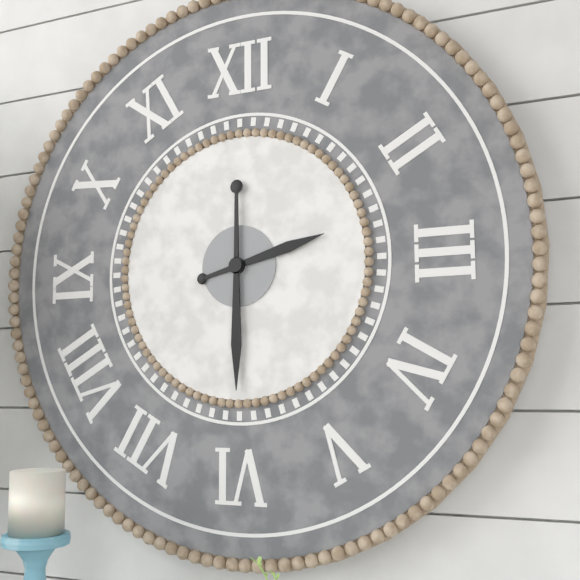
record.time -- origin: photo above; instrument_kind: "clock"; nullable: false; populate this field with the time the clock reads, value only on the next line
2:30
